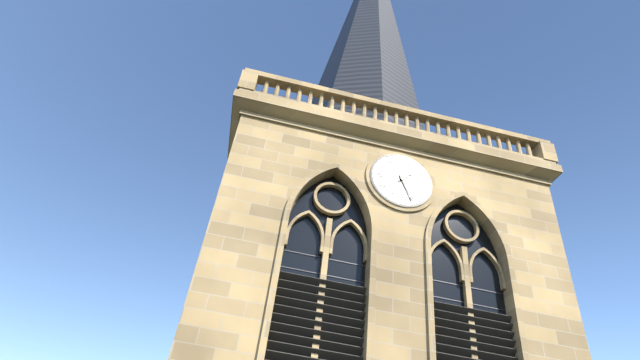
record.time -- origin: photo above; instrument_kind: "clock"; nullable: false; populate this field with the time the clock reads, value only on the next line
1:26
